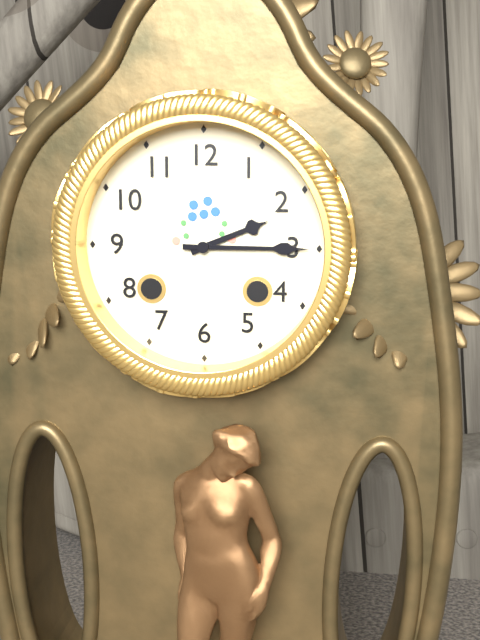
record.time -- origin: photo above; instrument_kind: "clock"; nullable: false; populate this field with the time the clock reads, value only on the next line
2:15
